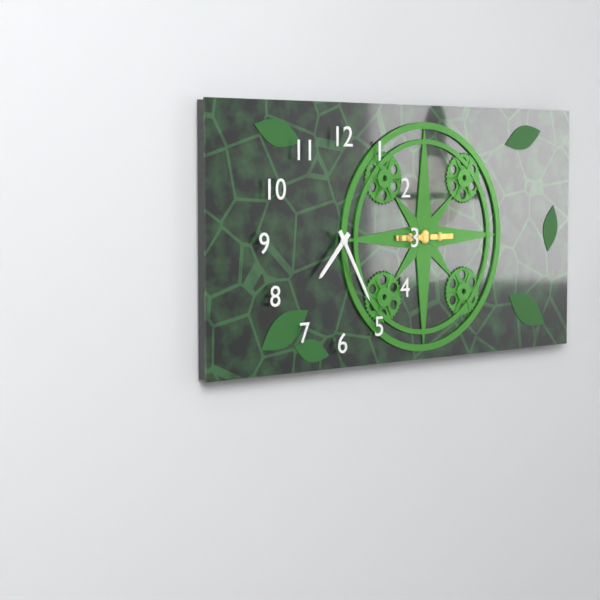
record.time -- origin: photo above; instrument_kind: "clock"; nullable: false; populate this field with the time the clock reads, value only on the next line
7:25
